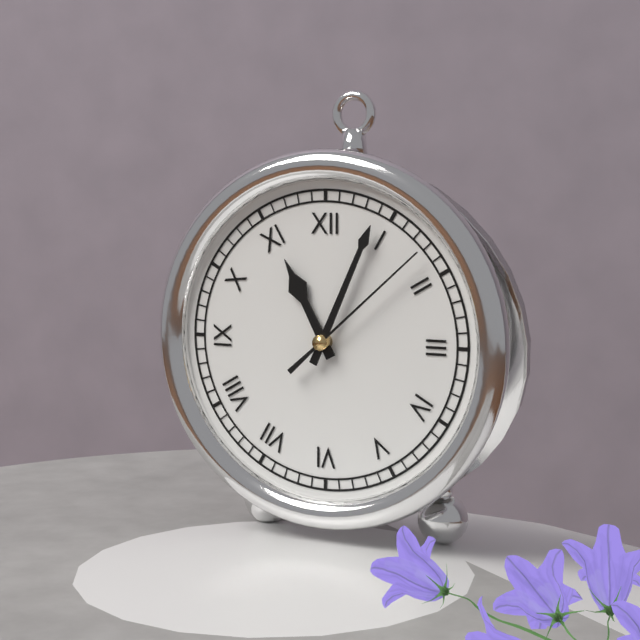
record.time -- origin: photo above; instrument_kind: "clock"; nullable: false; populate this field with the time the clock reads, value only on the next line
11:04:08
